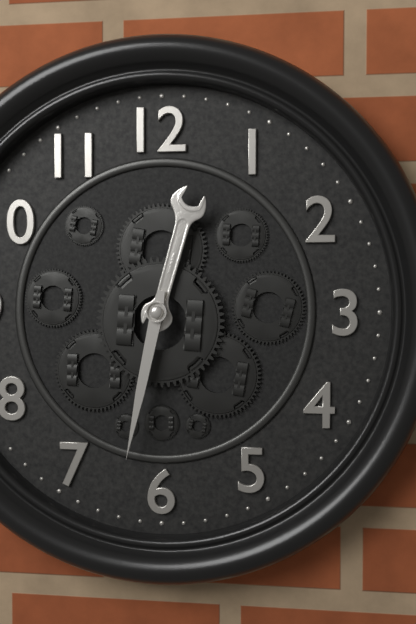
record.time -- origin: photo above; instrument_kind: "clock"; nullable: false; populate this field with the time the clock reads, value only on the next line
12:32
